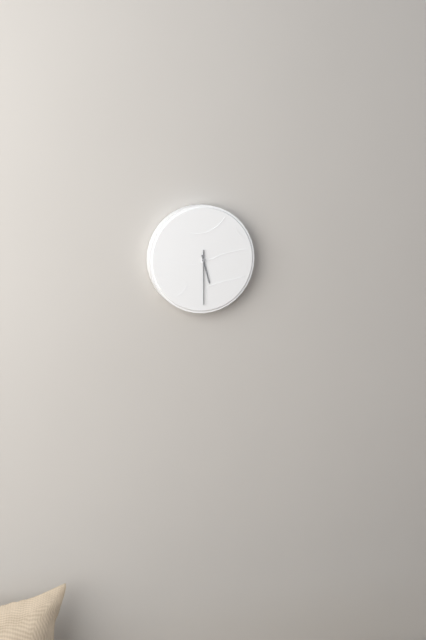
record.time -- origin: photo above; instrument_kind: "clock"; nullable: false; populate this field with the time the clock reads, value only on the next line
5:30
